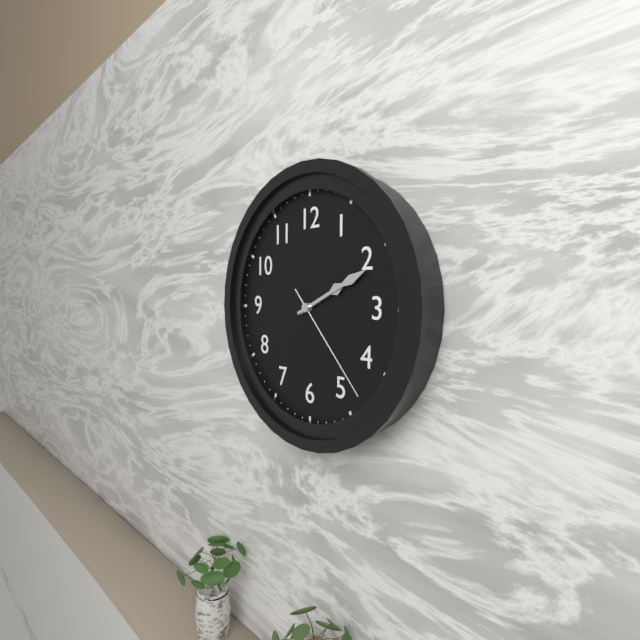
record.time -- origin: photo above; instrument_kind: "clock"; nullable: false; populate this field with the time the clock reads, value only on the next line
2:11:23
